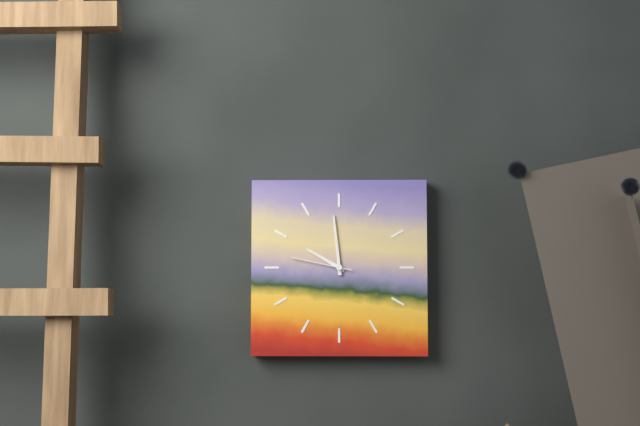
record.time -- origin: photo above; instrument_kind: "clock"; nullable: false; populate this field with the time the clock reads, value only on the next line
9:59:47
